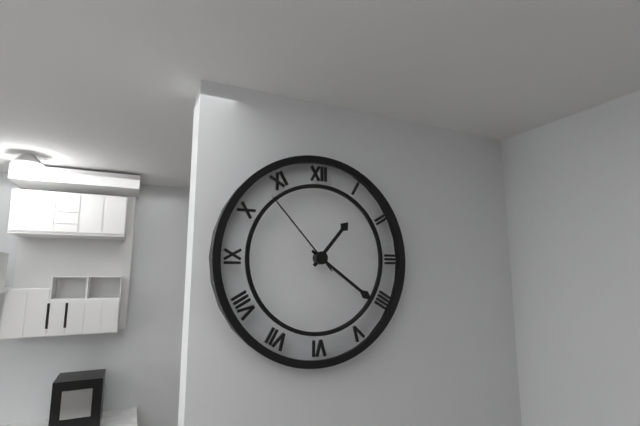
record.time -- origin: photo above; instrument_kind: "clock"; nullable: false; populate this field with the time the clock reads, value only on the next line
1:21:53
